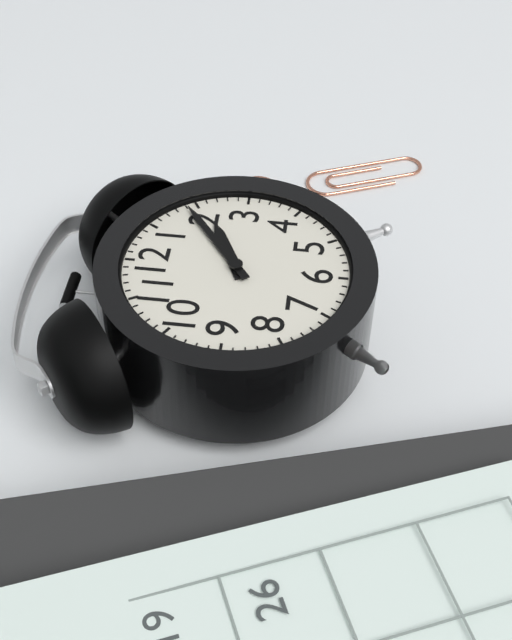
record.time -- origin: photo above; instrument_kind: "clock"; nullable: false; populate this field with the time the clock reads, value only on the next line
2:09
